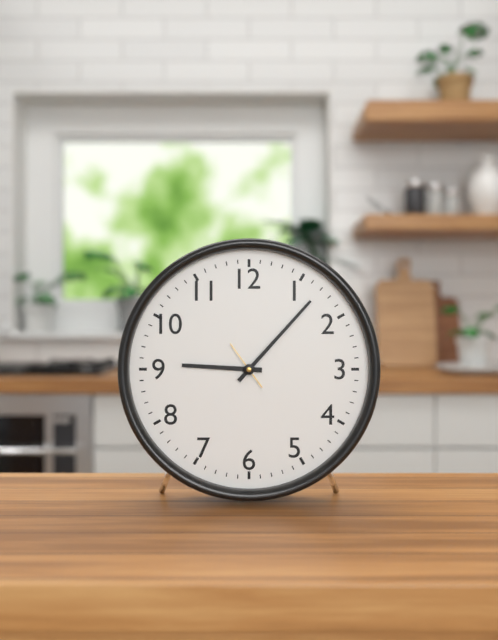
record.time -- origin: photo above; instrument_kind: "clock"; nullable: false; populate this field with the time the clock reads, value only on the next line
9:07
